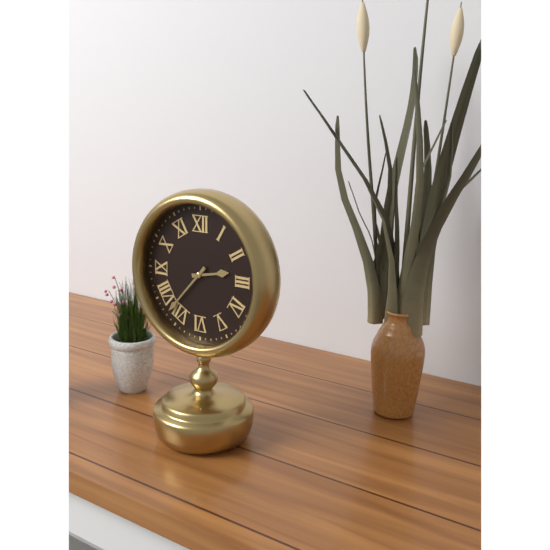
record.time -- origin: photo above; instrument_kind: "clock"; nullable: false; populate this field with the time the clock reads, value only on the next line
2:37
